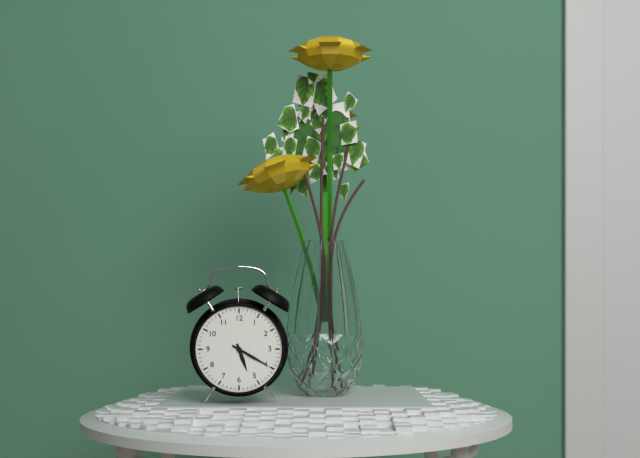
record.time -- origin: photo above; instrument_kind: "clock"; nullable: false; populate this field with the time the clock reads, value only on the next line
5:20
